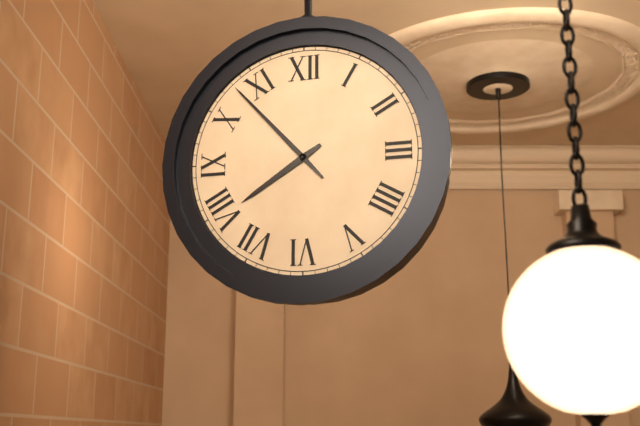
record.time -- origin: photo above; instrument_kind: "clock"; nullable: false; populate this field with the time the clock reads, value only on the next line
7:53
